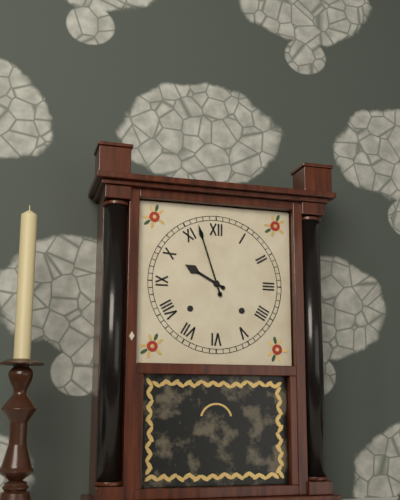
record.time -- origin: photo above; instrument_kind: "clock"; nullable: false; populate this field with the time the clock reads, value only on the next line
9:57
